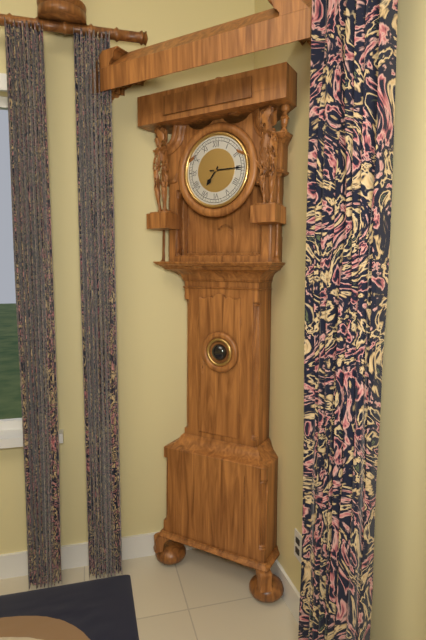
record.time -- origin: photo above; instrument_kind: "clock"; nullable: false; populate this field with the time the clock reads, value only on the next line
7:15
